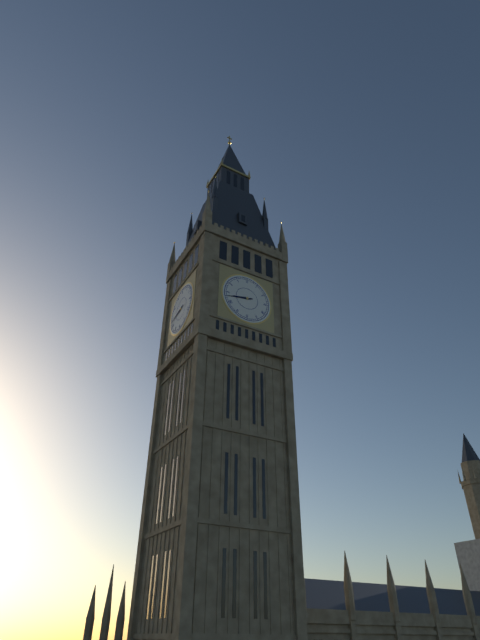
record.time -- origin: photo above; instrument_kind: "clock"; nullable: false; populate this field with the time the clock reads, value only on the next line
8:43
